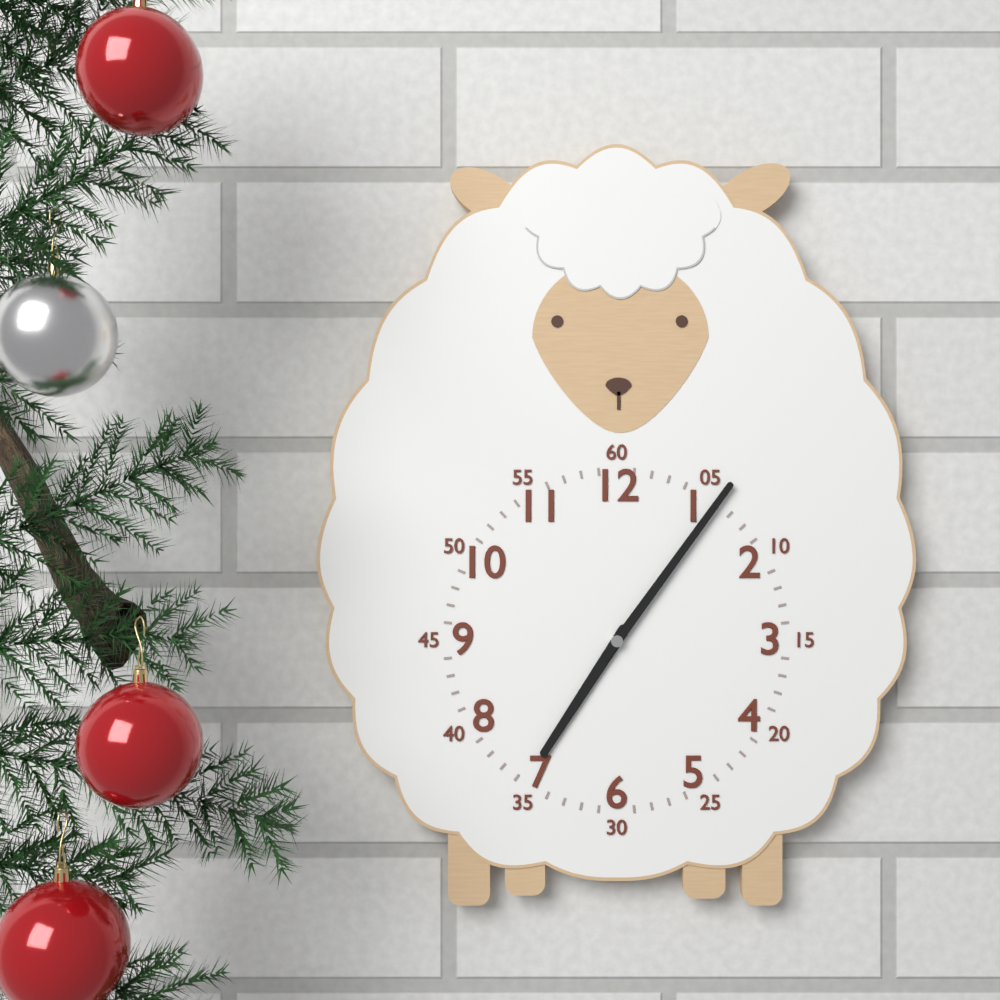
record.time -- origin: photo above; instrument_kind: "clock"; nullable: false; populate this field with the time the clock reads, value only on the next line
7:06
